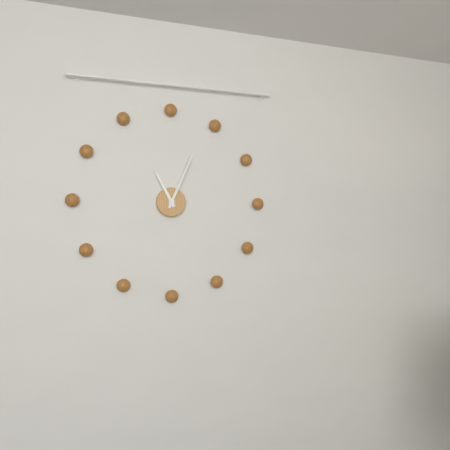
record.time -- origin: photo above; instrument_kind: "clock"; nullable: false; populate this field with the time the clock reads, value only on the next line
11:04
